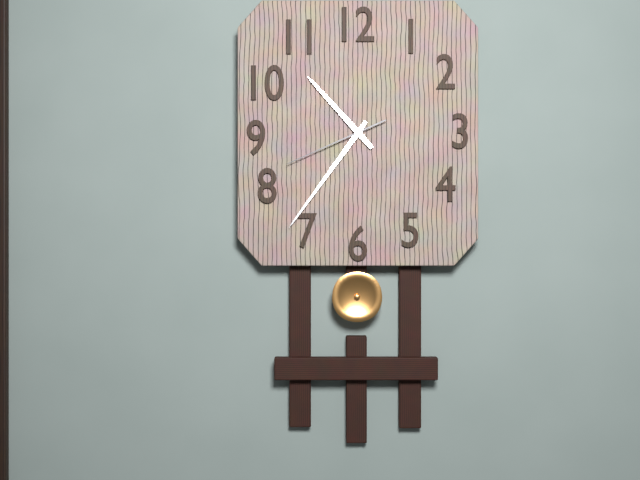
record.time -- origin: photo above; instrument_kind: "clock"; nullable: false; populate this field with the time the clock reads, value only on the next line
10:36:41
